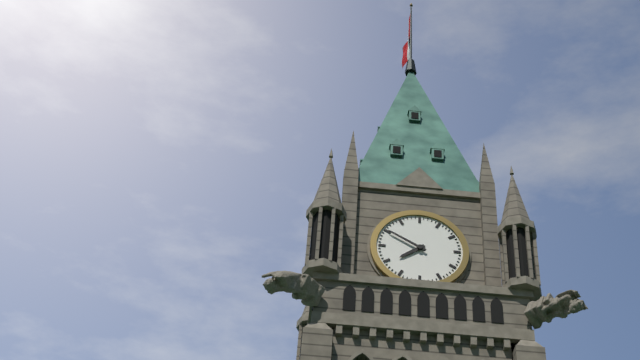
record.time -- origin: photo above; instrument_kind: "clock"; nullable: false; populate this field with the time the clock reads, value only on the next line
7:50
